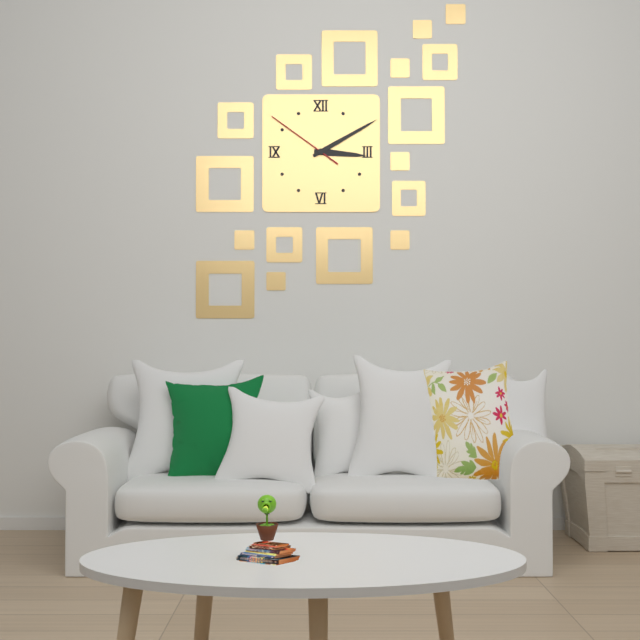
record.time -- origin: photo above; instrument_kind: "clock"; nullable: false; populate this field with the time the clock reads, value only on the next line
3:10:51
